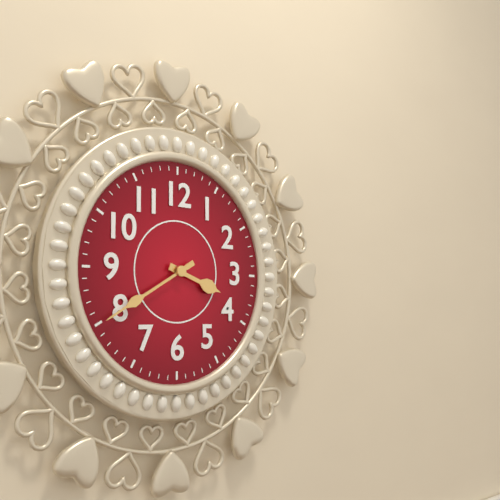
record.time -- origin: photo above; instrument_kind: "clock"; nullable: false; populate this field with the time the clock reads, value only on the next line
3:40
